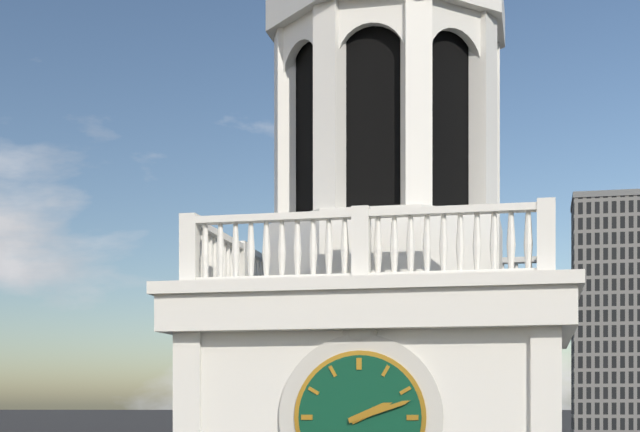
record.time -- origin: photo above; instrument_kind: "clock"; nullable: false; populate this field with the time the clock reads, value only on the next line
2:12
